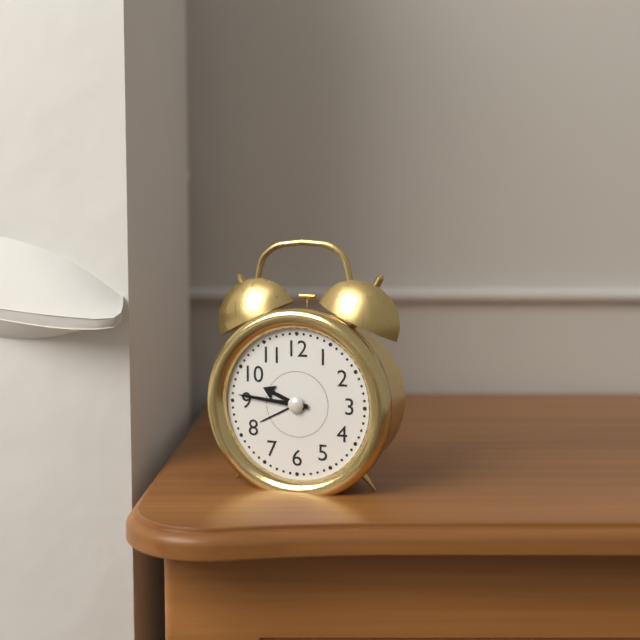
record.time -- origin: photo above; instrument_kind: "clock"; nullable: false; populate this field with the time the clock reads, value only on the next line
9:46
